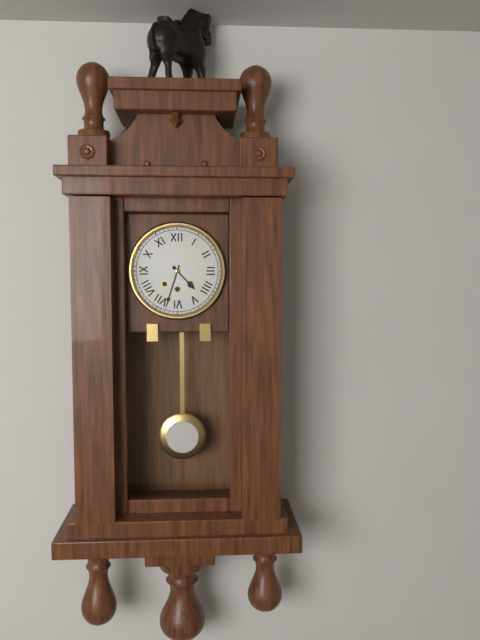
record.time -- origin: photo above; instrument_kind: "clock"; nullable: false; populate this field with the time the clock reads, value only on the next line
4:33
